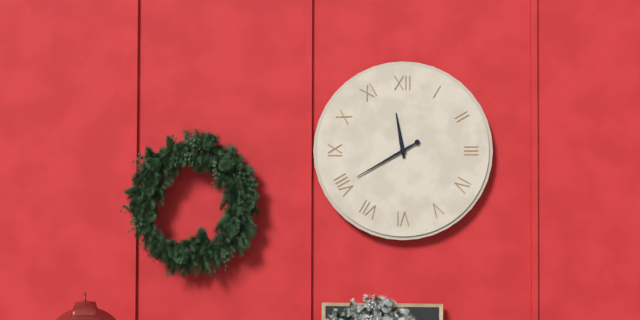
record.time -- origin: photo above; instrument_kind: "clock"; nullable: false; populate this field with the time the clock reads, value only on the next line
11:40
